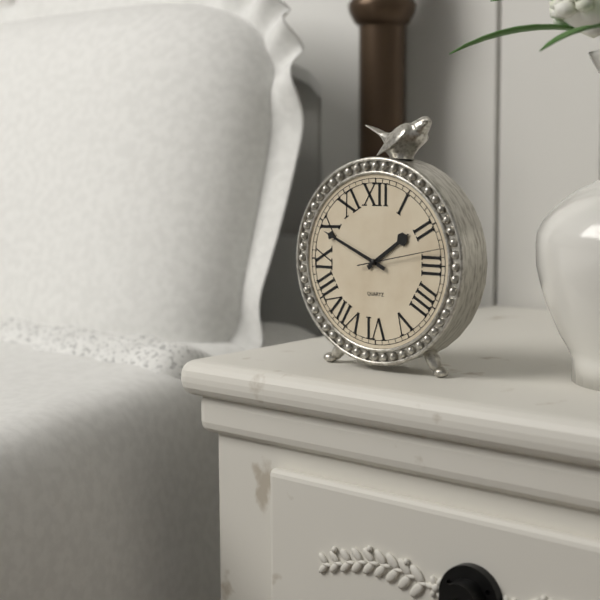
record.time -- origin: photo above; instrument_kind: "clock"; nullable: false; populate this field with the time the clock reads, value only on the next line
1:49:13
